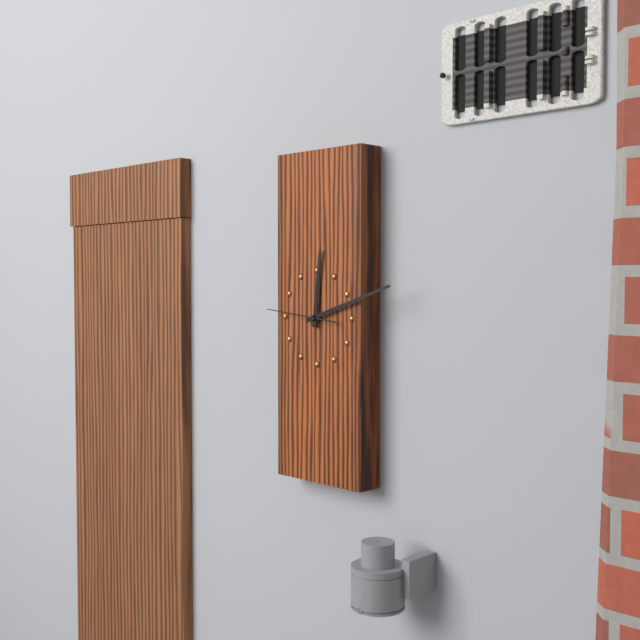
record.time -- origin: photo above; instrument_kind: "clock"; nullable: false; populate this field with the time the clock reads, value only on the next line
12:12:46
